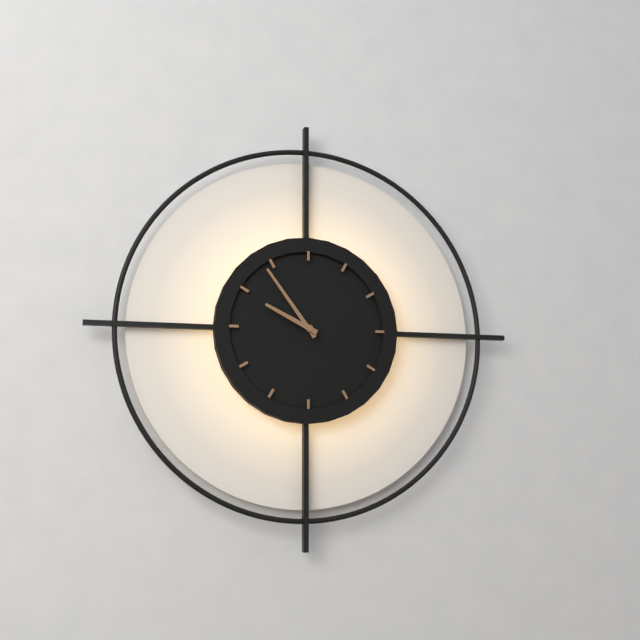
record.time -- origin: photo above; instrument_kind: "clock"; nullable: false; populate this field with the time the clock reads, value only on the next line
9:54
